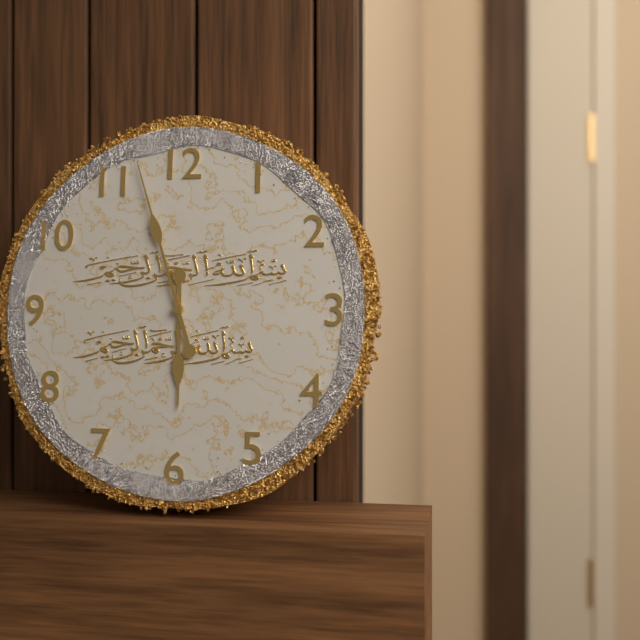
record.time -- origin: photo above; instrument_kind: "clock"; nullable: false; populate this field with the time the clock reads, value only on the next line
5:57
